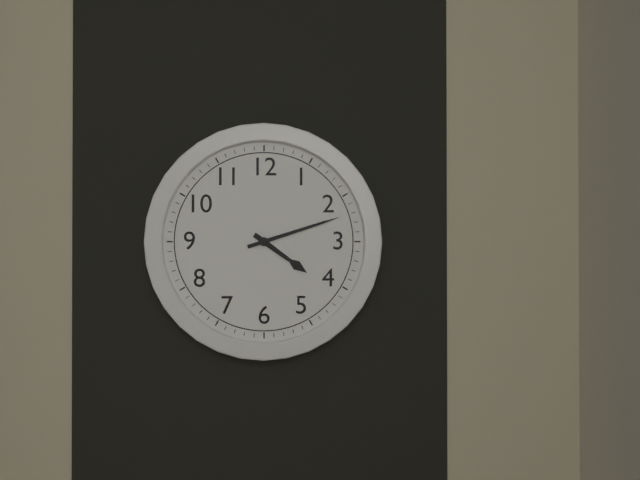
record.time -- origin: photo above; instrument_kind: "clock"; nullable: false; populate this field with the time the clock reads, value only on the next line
4:12
